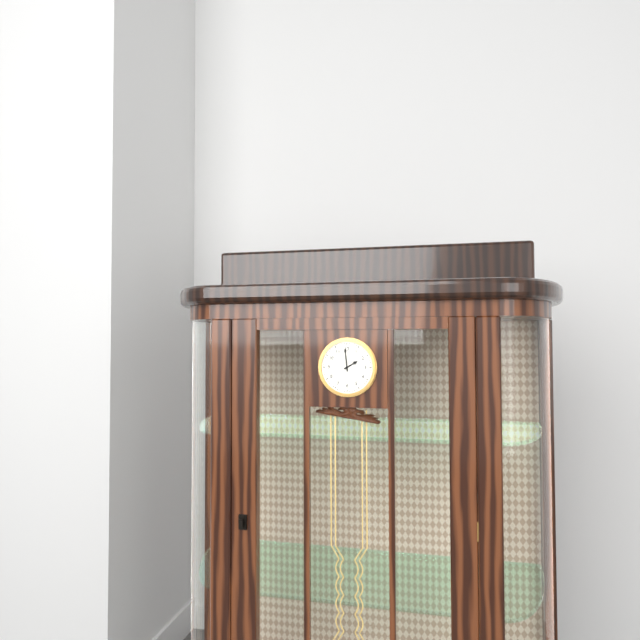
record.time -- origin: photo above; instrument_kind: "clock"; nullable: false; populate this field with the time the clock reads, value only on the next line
1:59
